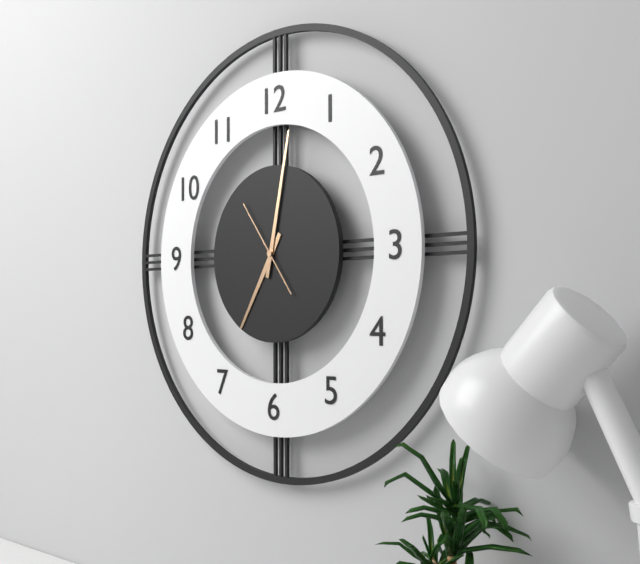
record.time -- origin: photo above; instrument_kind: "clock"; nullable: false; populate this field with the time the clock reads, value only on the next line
7:02:54
